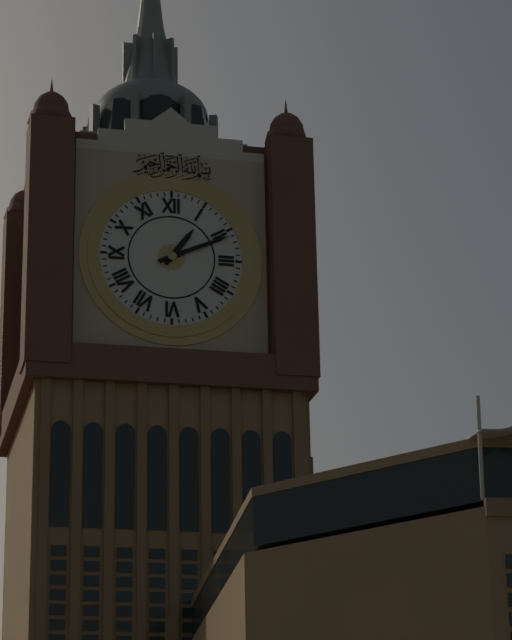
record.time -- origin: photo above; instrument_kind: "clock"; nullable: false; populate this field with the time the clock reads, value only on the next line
1:11
